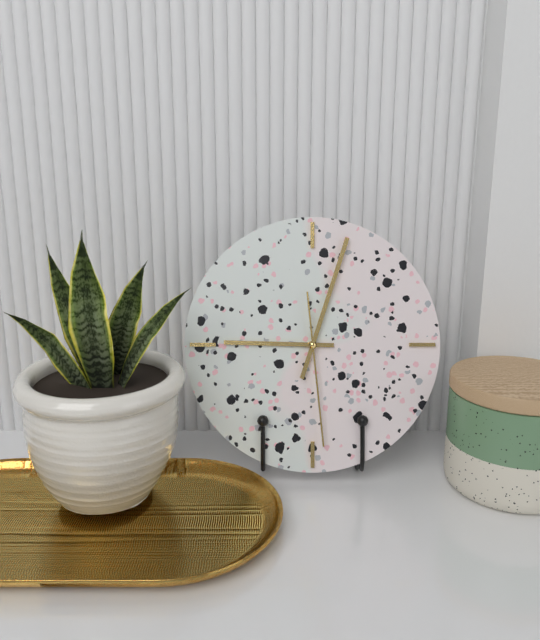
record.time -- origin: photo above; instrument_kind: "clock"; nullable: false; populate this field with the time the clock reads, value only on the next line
9:03:29
